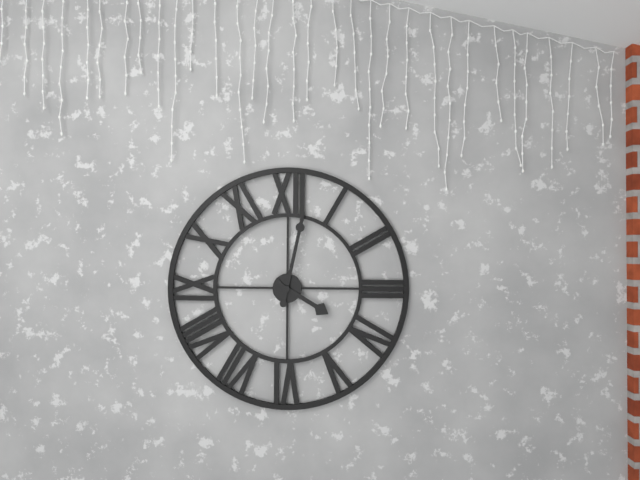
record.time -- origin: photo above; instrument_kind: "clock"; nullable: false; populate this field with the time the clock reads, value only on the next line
4:02
